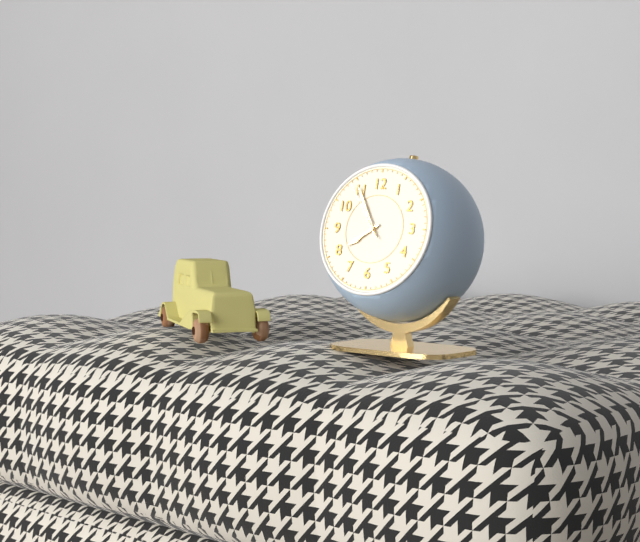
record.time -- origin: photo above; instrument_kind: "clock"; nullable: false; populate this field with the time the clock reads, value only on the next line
7:55:54
